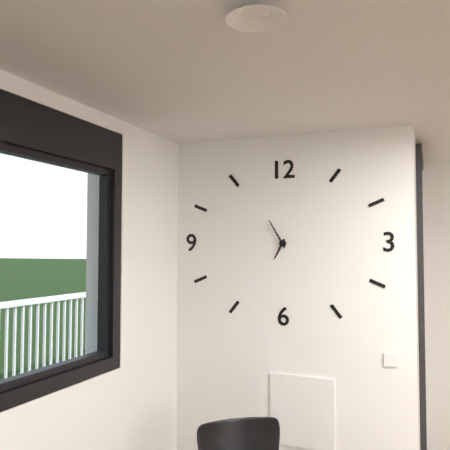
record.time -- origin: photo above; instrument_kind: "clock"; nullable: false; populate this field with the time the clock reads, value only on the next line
6:55
